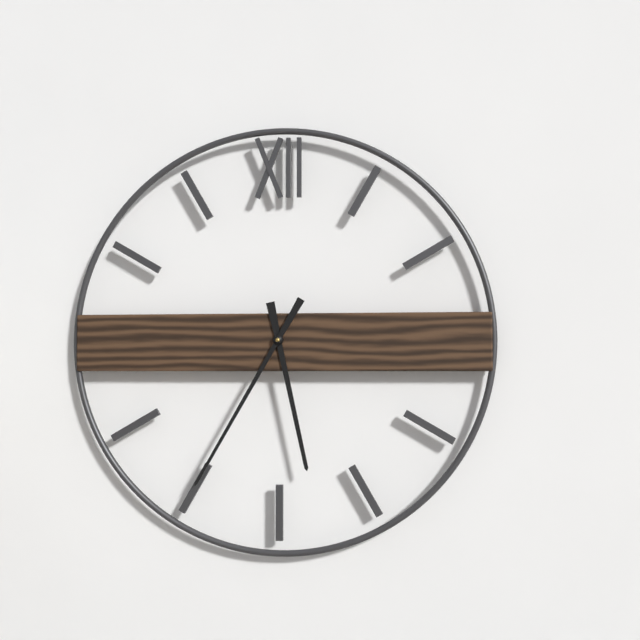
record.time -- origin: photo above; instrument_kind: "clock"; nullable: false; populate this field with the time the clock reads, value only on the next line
5:35
